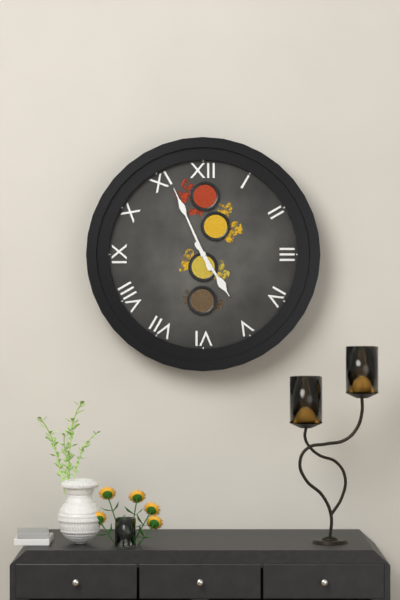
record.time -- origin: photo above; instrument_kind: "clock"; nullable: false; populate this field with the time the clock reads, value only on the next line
4:56
